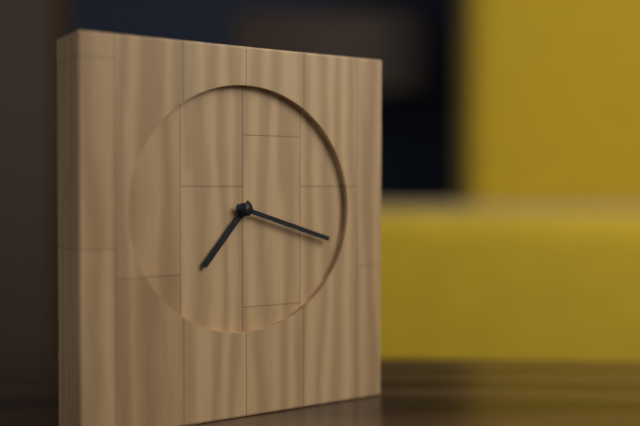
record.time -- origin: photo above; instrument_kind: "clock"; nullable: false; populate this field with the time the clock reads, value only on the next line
7:18
